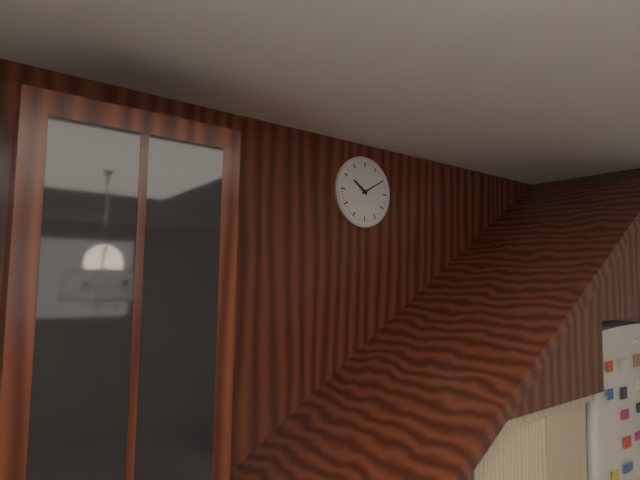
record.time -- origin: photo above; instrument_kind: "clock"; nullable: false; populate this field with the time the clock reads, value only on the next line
10:10
